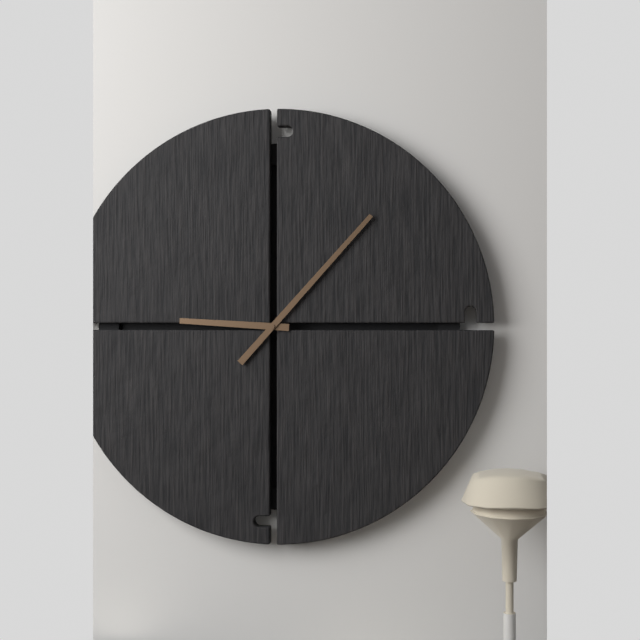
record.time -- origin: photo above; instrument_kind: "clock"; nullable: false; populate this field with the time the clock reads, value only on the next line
9:07
